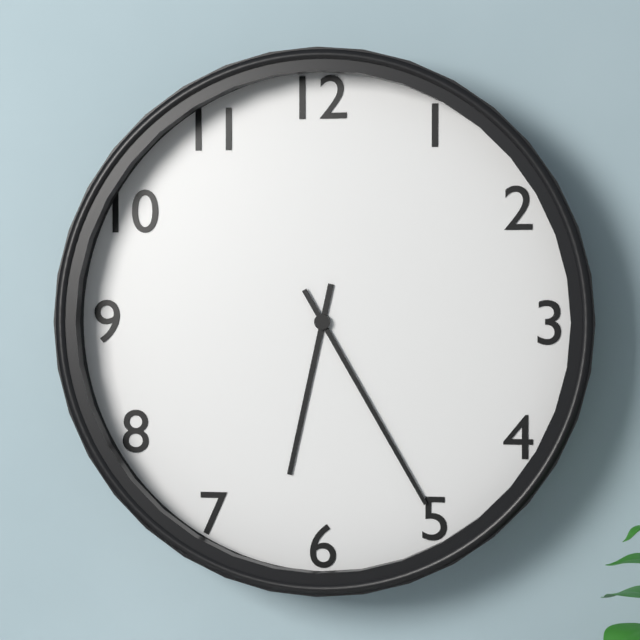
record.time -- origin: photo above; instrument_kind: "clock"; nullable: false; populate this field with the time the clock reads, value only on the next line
6:25
